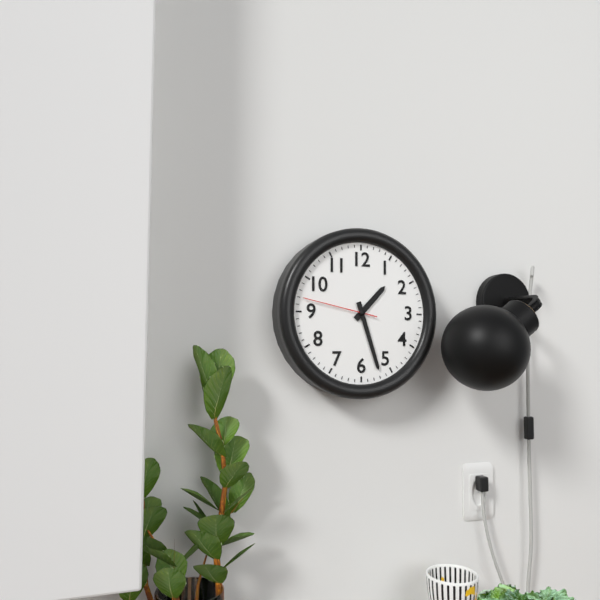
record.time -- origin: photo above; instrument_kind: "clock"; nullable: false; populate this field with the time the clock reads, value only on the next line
1:27:47
